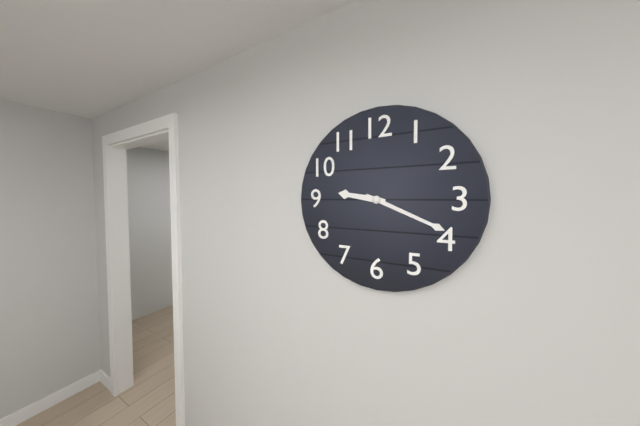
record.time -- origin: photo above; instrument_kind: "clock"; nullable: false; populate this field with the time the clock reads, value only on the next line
9:19
